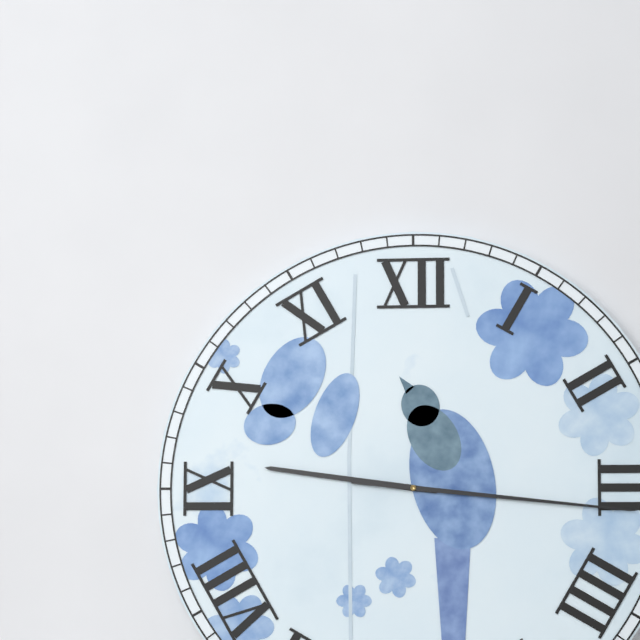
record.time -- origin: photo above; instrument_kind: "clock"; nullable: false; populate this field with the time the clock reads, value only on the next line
9:16
